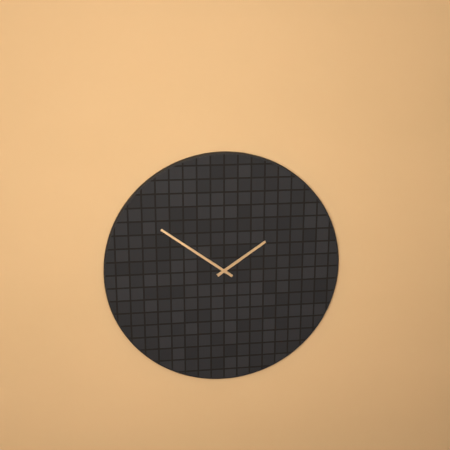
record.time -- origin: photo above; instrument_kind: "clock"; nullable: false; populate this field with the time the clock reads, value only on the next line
1:51
